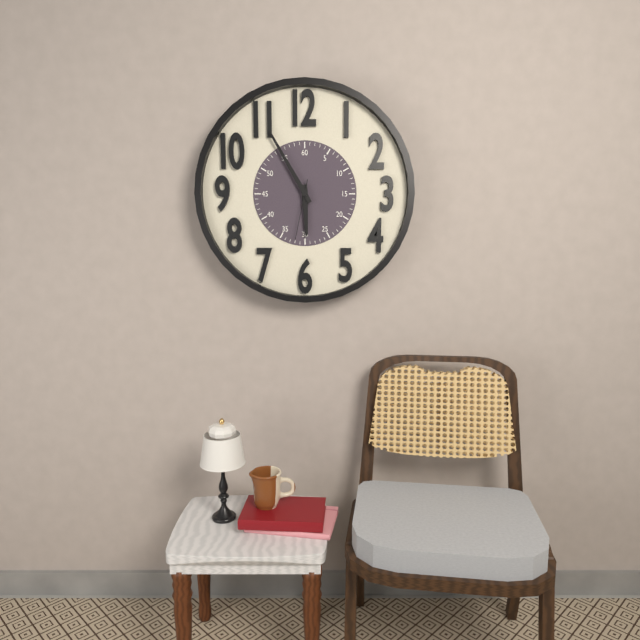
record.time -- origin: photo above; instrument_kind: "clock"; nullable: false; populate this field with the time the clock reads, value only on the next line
5:55:32
